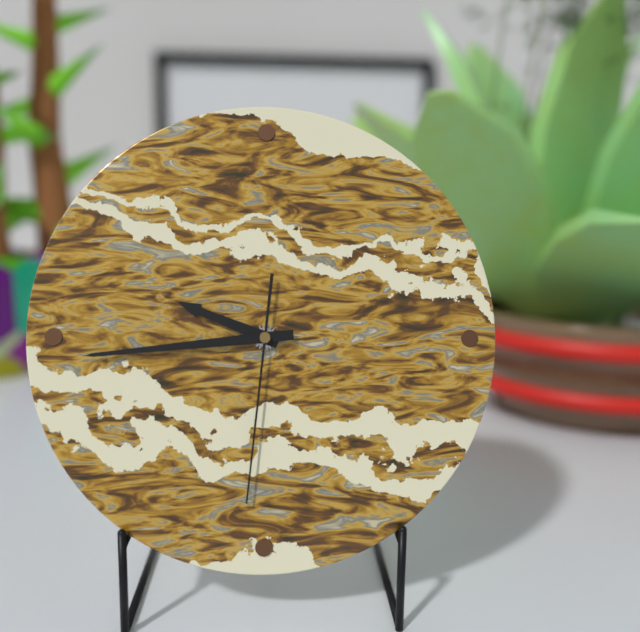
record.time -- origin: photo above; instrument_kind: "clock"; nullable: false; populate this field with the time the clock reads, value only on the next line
9:44:31
